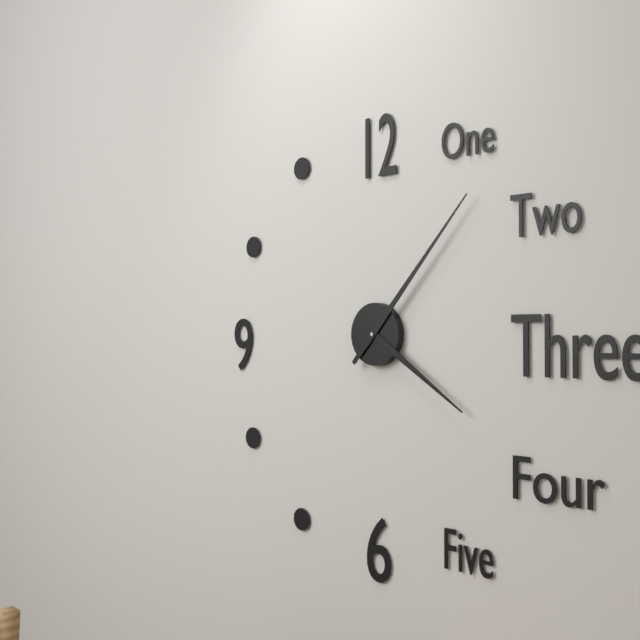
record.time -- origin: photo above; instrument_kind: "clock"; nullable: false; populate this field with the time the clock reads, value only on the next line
4:07
